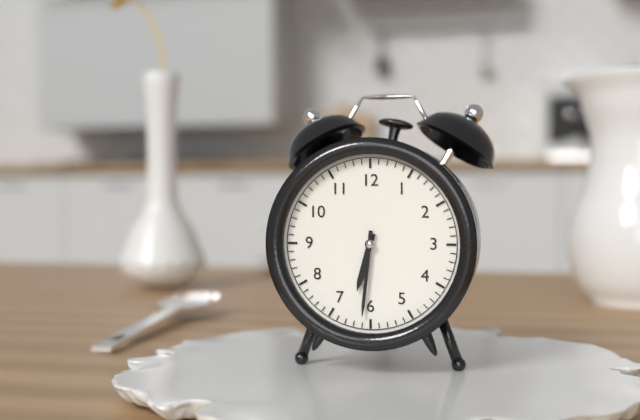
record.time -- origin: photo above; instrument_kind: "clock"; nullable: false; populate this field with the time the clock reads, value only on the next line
6:31
